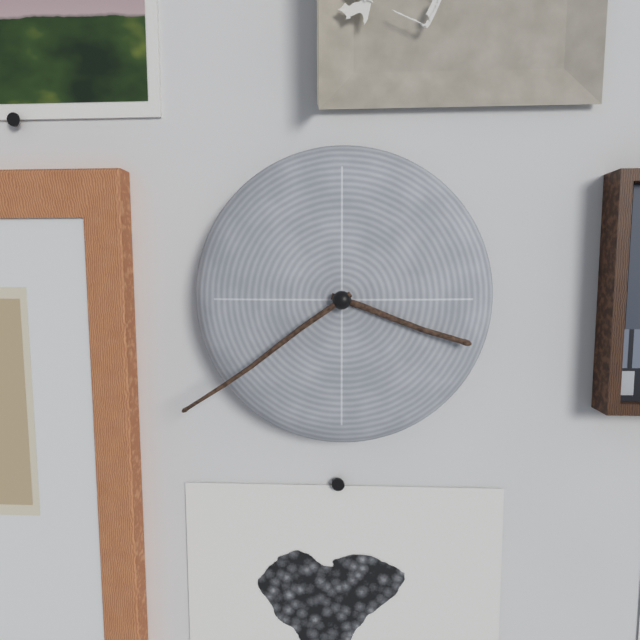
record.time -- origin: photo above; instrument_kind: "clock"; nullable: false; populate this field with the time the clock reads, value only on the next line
3:39
